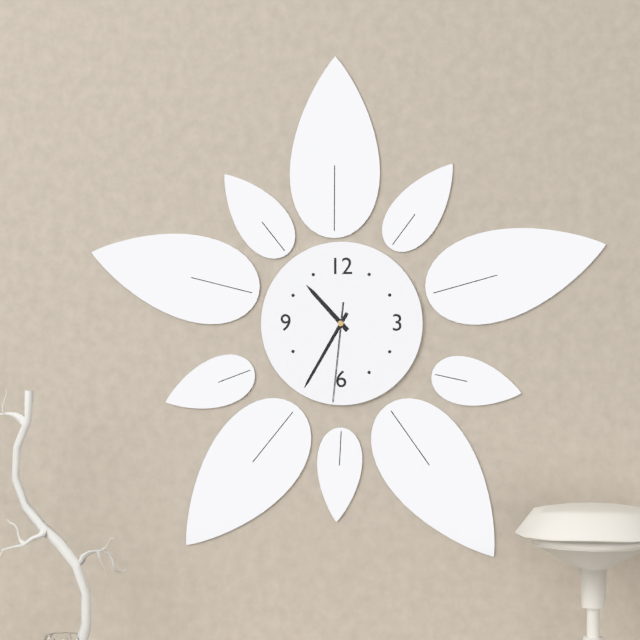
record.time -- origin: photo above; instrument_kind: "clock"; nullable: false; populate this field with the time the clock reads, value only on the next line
10:35:31
